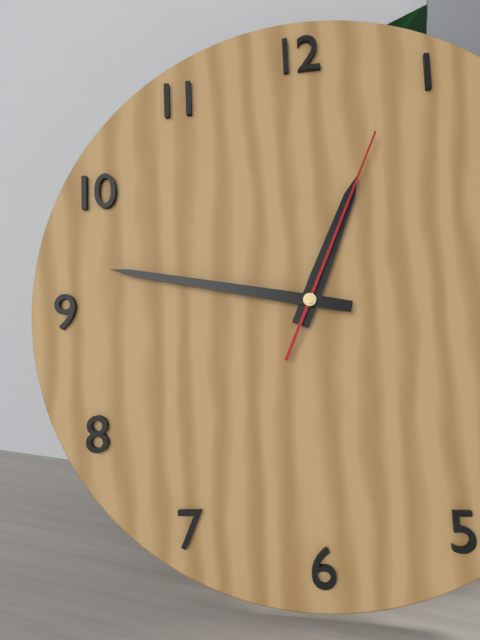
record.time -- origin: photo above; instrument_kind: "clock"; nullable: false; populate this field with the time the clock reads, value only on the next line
12:47:04
